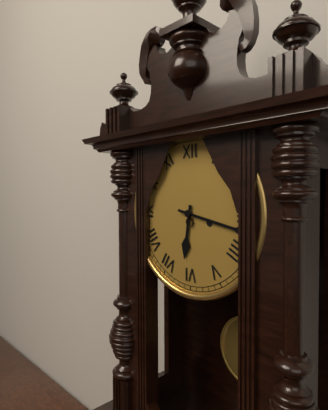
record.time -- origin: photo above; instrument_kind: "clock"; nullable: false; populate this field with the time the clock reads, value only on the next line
6:17
